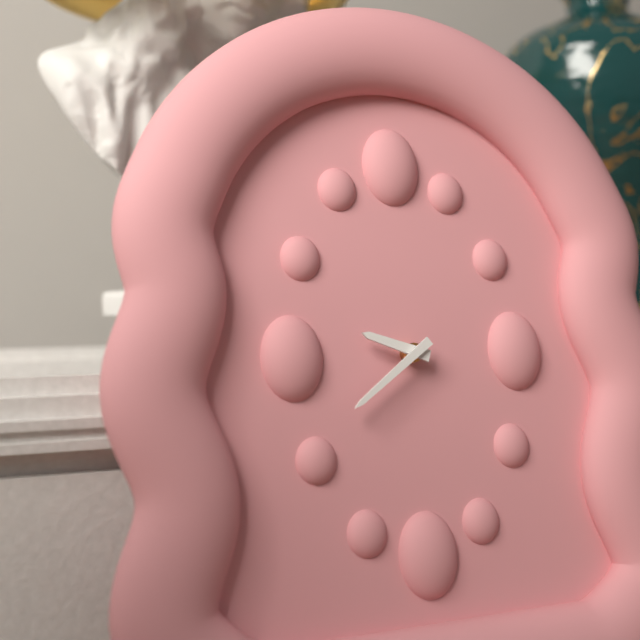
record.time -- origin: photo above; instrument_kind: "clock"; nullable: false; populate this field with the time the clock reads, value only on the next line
9:39
